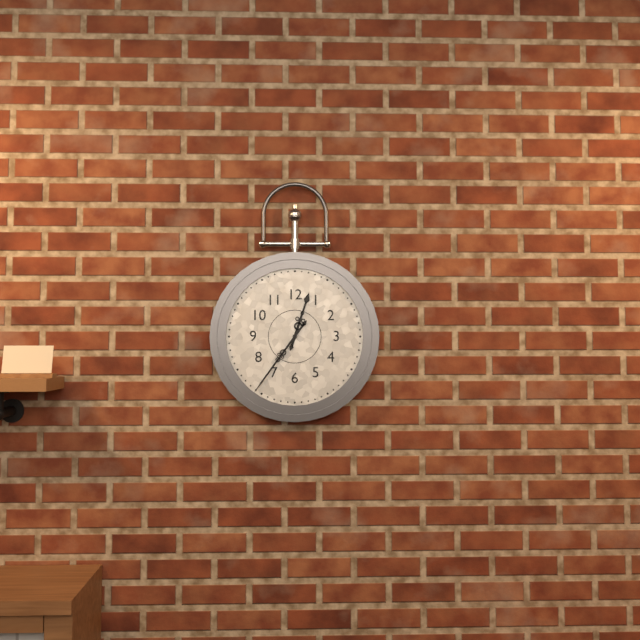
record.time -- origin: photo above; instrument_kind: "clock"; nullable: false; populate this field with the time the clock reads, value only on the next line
12:36
